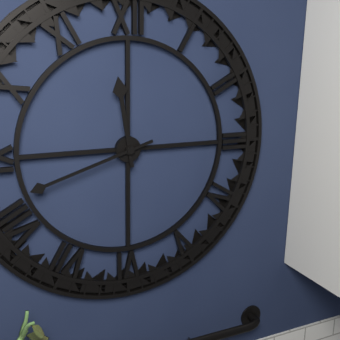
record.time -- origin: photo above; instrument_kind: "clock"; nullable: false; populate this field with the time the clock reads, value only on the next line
11:42
